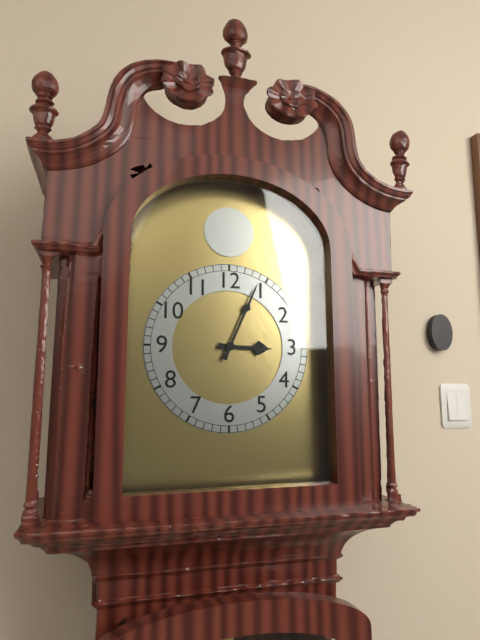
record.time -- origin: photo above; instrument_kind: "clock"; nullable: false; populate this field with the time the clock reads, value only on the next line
3:04
